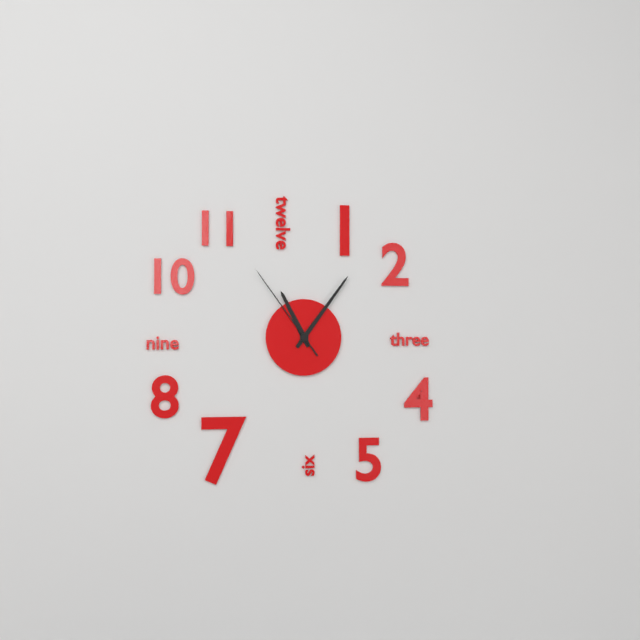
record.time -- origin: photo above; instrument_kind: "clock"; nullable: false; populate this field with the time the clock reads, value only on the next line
11:06:54
